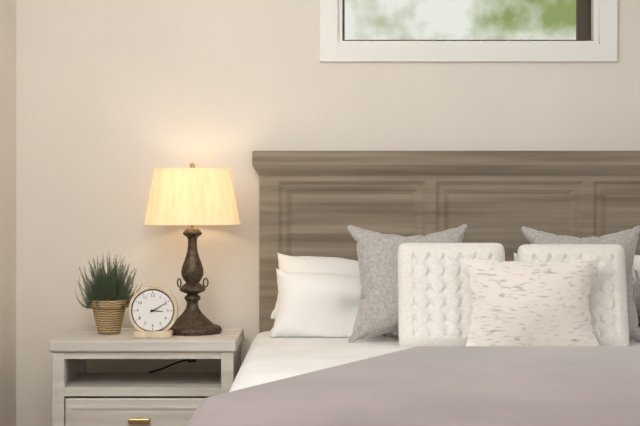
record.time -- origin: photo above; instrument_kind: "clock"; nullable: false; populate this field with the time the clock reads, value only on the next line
3:10
